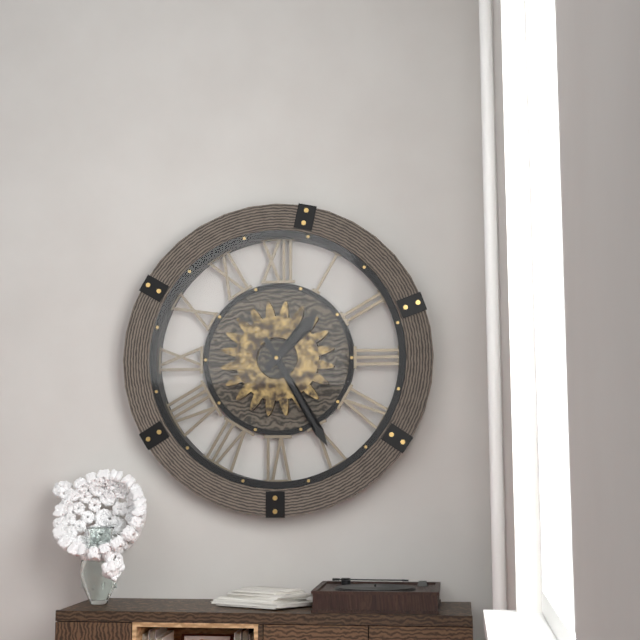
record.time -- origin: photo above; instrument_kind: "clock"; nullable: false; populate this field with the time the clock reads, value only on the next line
1:25
